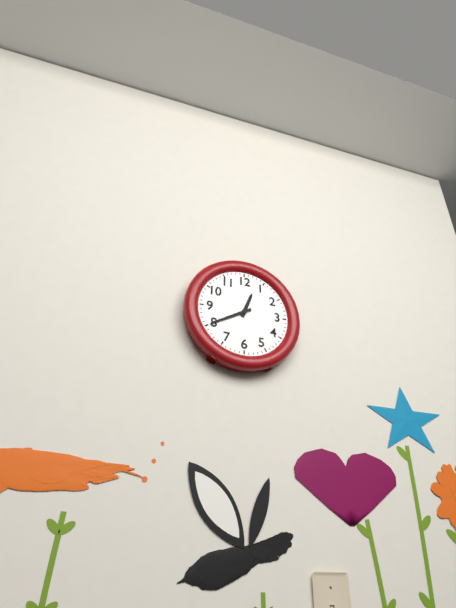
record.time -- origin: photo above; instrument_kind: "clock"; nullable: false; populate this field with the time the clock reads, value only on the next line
12:40
